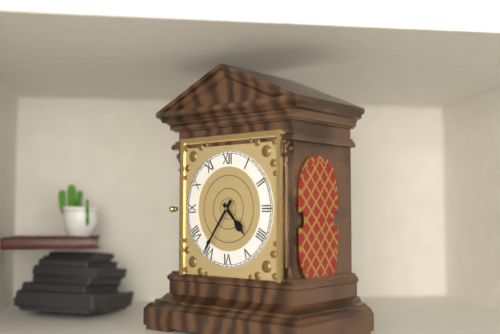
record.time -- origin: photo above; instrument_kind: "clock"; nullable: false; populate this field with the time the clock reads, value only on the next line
4:36
